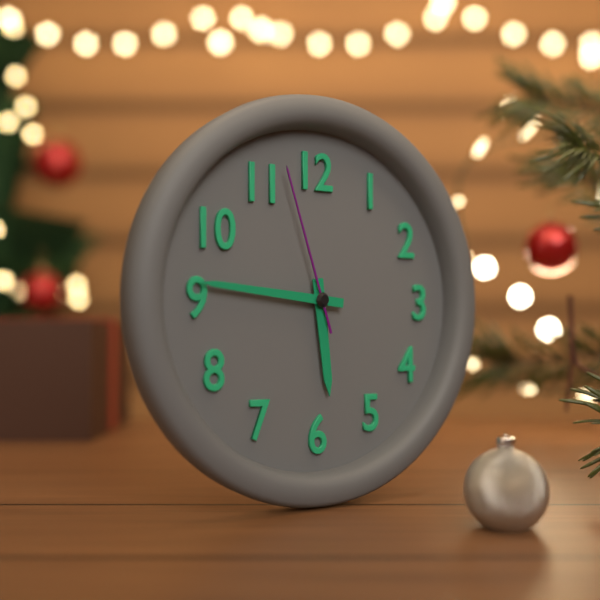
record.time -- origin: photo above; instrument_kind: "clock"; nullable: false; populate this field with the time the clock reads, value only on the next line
5:46:57
